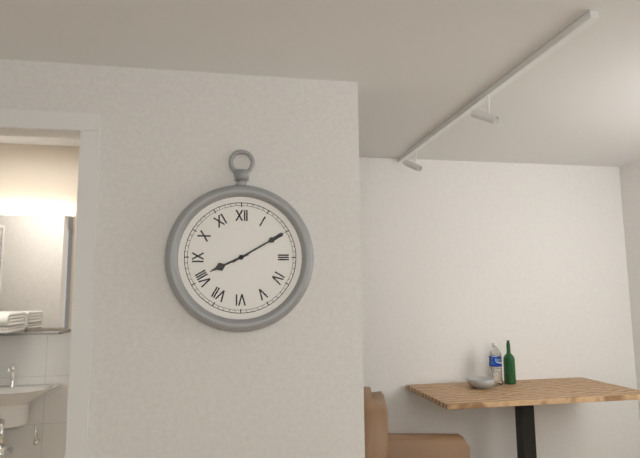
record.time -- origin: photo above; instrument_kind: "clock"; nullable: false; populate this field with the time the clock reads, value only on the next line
8:10
